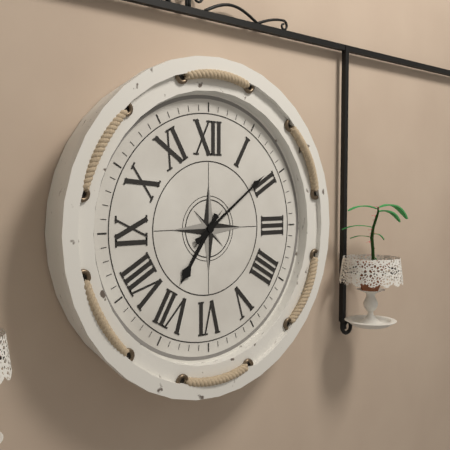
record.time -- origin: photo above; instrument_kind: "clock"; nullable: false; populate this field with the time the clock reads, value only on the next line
7:09
